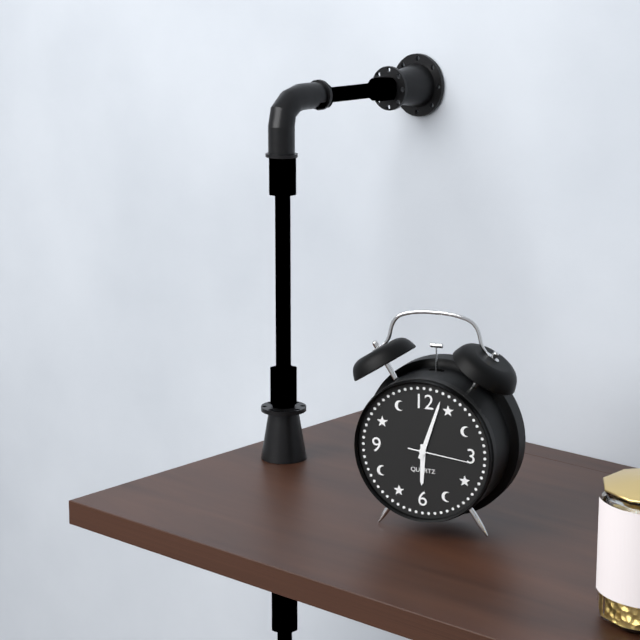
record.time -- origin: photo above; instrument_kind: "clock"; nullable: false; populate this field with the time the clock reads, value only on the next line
6:03:16
